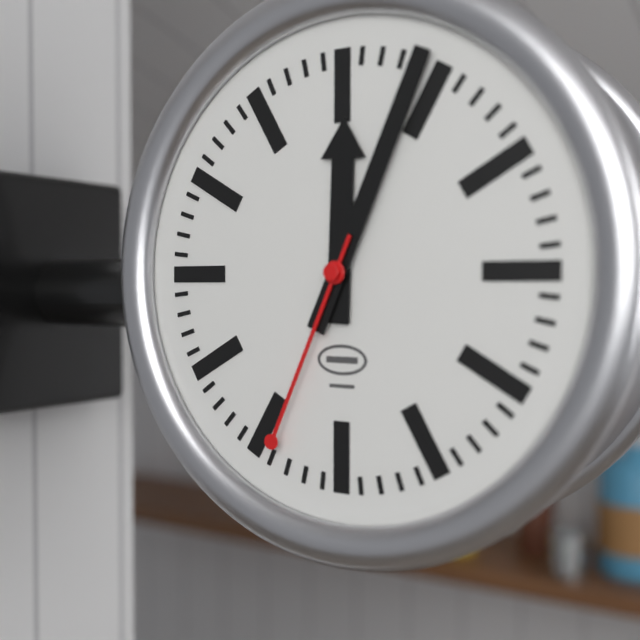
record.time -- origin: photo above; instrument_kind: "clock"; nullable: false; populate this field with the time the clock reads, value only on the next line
12:04:34
